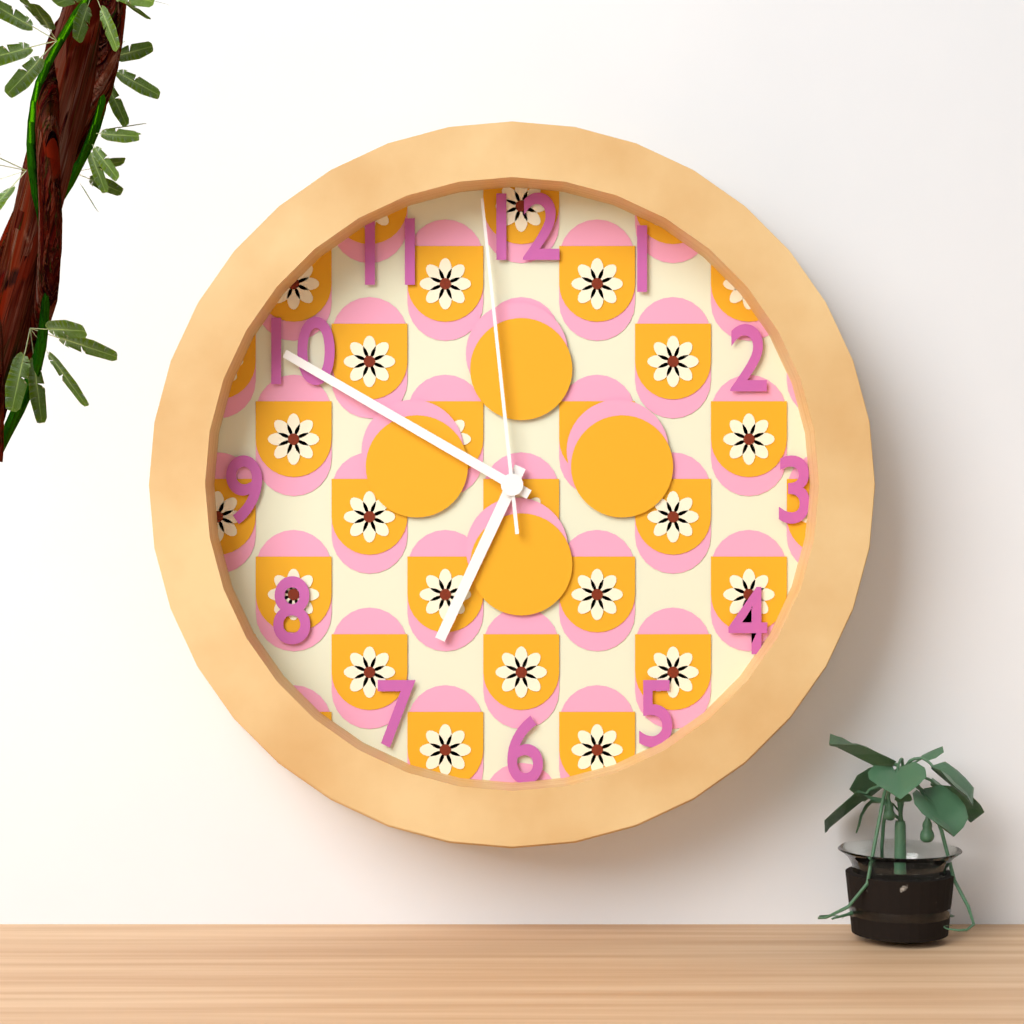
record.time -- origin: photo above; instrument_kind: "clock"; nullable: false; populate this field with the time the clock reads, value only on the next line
6:50:59
